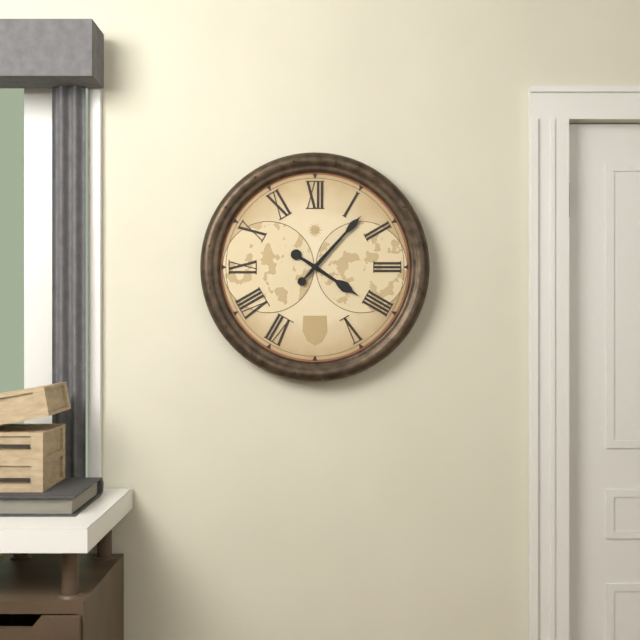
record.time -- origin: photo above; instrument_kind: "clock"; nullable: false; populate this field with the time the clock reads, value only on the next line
4:07
